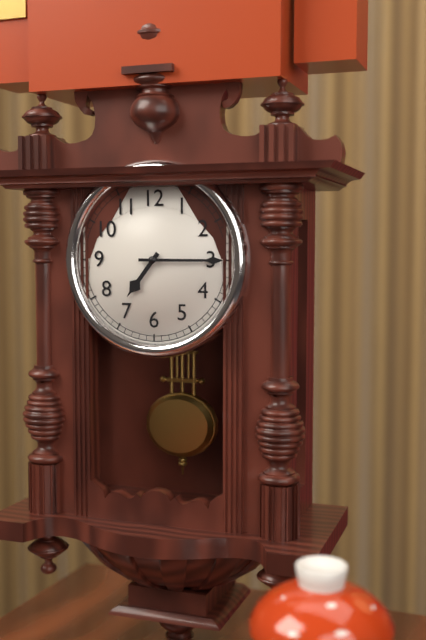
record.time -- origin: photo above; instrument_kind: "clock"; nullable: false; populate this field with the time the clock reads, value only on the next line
7:15
